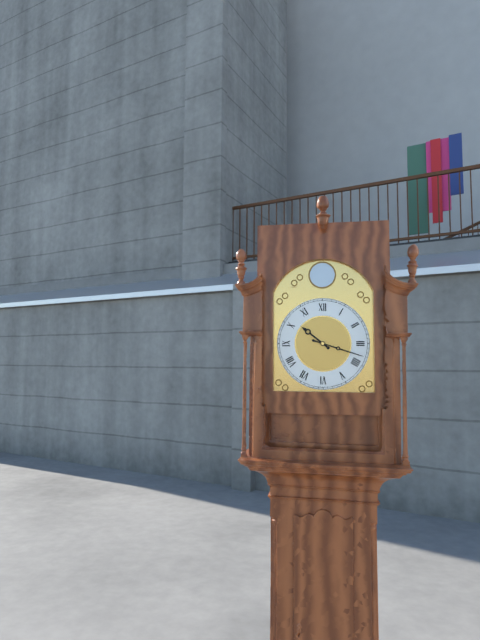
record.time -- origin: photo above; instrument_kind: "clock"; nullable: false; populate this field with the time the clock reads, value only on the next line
10:18
